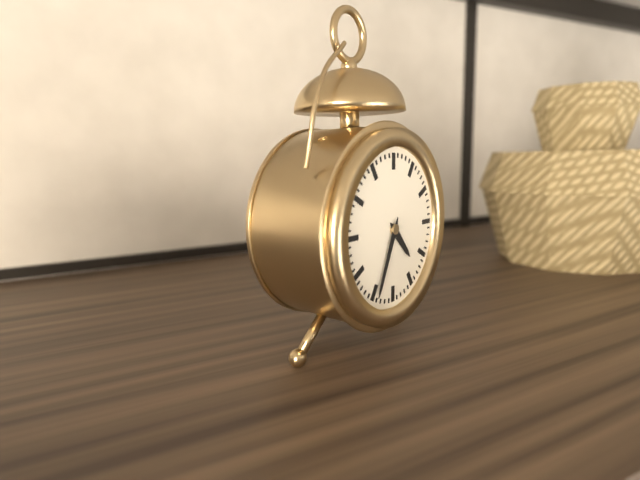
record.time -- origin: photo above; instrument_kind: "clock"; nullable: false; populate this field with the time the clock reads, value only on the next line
4:34
